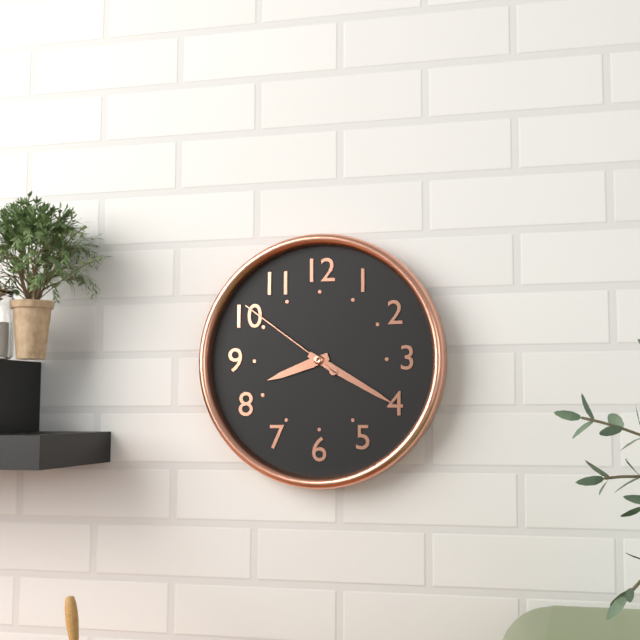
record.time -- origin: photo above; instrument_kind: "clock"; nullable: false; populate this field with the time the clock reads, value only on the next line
8:20:51
